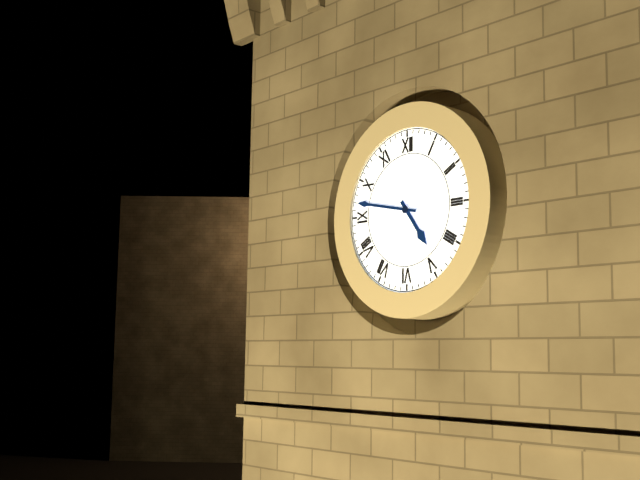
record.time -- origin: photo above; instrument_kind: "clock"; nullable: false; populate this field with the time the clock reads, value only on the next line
4:47
